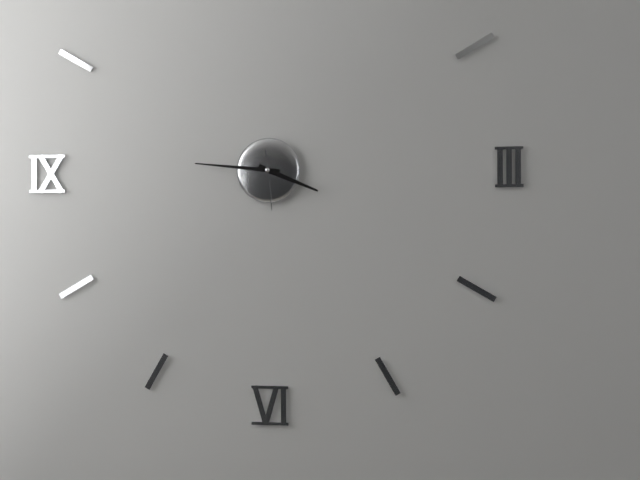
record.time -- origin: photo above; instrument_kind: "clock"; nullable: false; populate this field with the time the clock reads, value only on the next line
3:46:29
